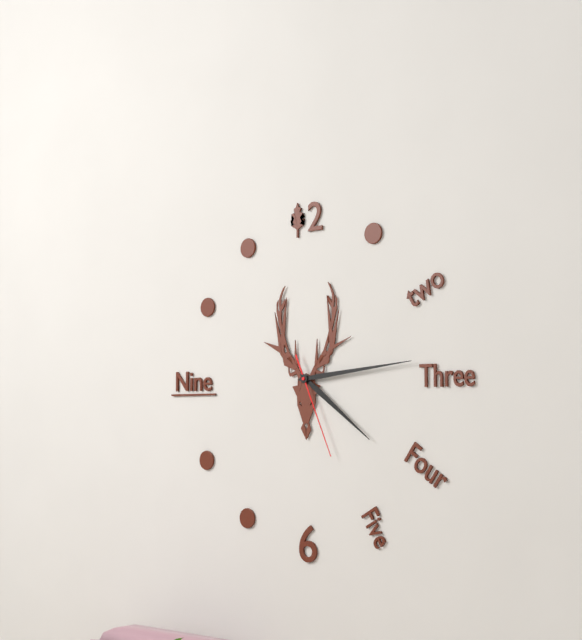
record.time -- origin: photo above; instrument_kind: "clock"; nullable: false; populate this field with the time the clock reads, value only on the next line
4:14:26
